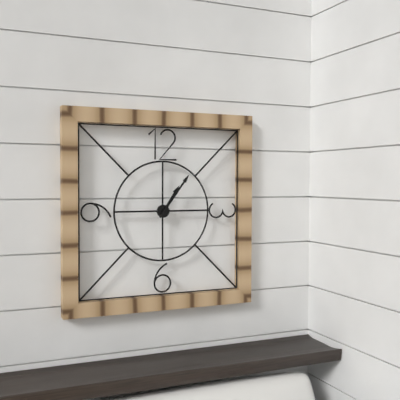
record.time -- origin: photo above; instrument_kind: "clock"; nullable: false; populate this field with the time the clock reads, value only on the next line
1:06
